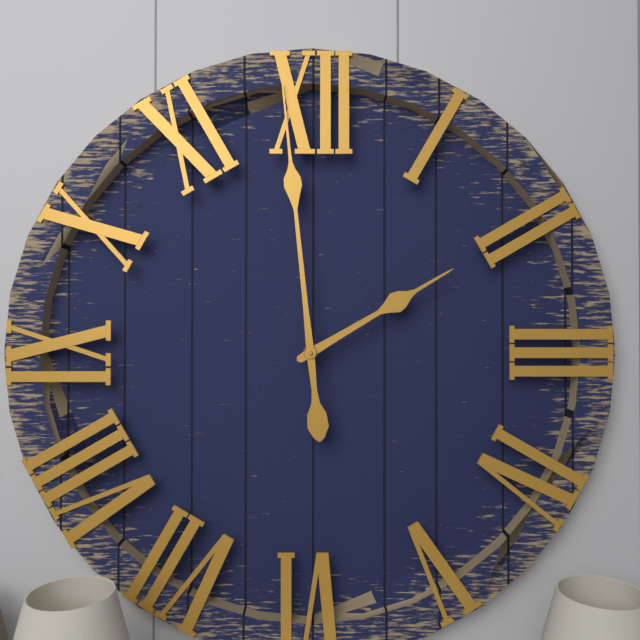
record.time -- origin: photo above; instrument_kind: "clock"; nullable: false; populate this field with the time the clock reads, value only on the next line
1:59
